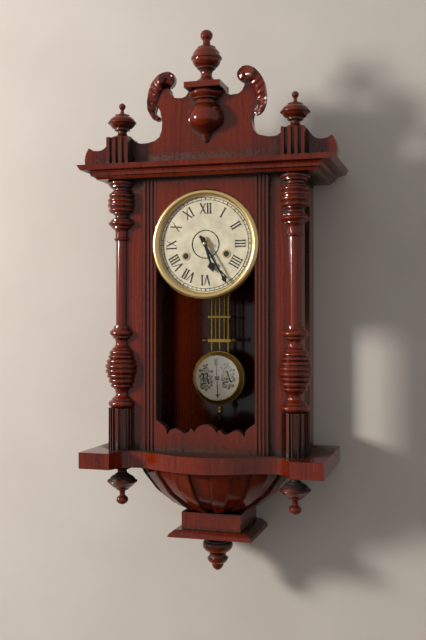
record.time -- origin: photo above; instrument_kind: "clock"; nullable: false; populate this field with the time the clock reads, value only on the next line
5:25
